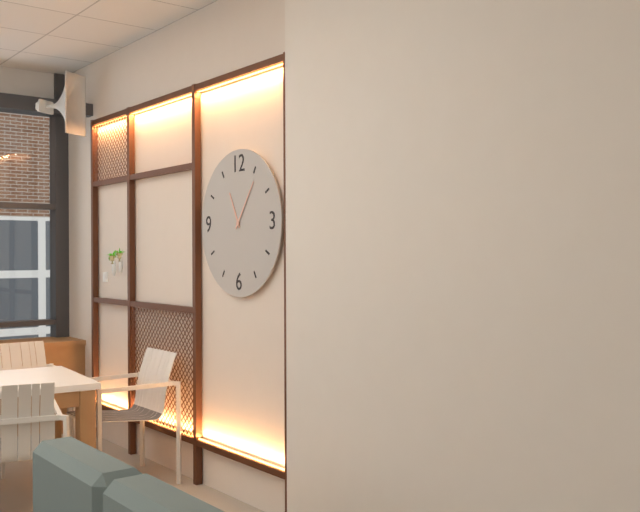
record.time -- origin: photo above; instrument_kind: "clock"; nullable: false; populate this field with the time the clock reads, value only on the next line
11:06
